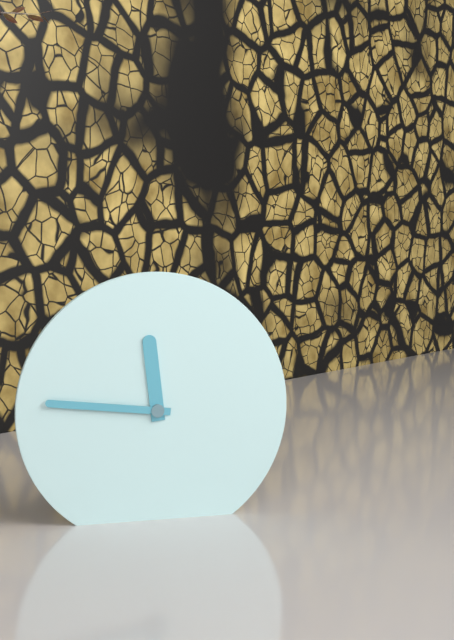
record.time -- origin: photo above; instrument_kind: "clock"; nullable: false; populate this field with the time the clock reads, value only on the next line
11:46
